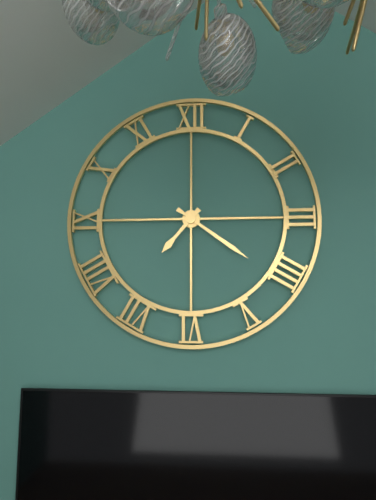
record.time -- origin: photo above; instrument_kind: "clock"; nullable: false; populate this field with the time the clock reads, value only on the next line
7:21
